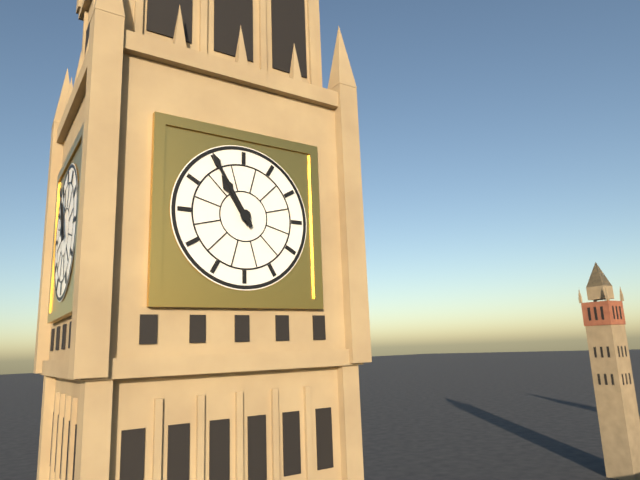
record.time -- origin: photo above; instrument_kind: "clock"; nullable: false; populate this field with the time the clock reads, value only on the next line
10:55
